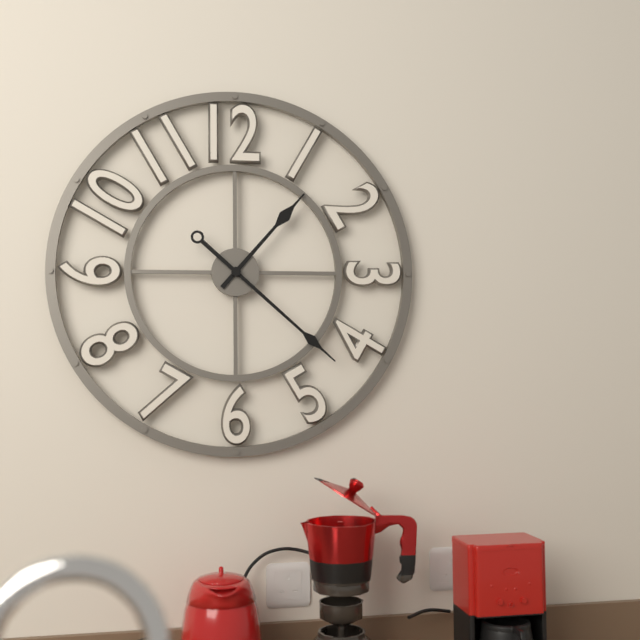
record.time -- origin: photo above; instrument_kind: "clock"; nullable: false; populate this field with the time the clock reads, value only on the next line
1:22
